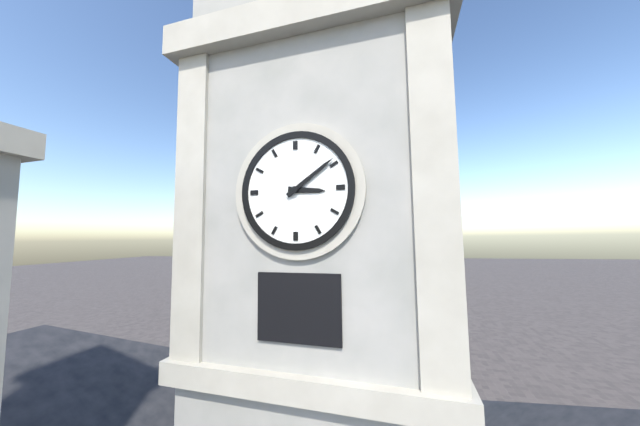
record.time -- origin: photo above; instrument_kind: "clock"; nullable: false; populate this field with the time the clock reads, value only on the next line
3:09
